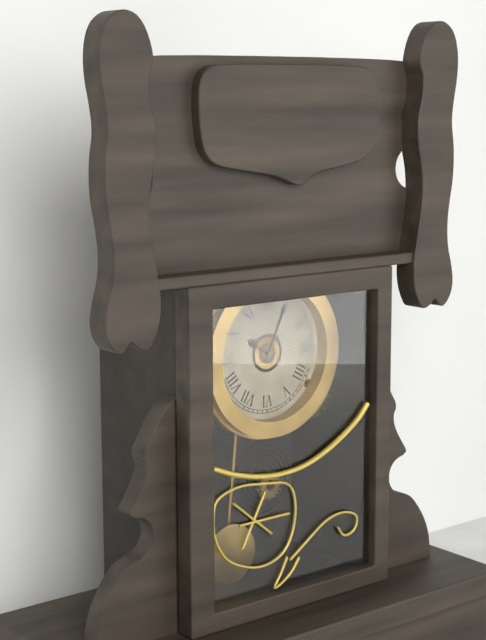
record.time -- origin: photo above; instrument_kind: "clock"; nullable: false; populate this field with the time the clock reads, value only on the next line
10:04
